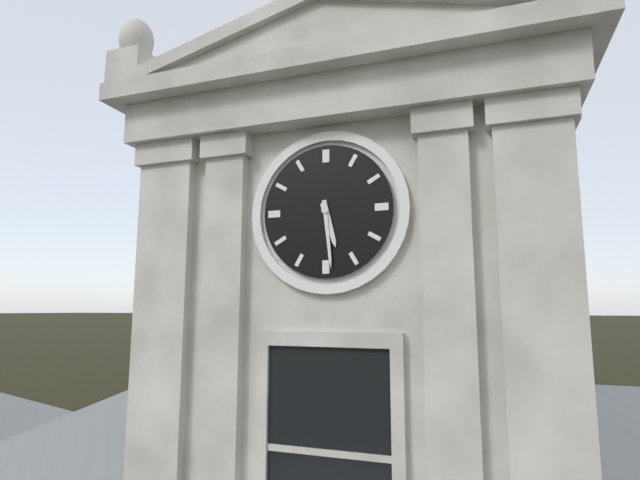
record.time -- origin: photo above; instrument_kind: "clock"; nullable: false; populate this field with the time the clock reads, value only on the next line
5:29
